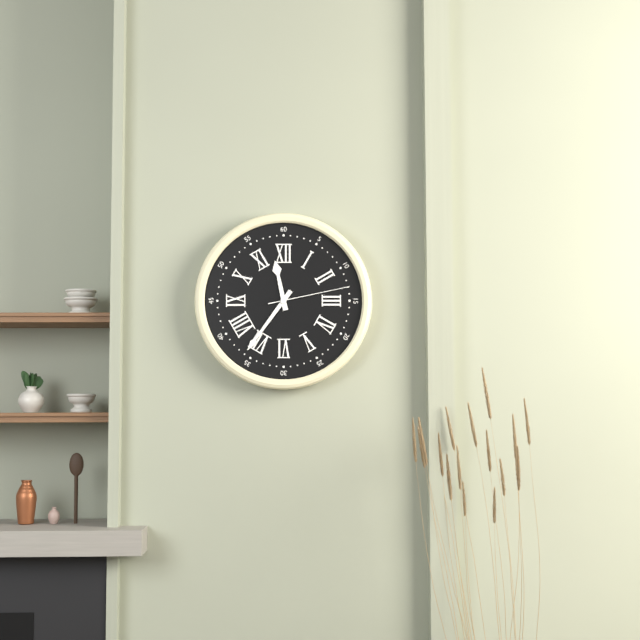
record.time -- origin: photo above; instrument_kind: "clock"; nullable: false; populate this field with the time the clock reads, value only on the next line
11:36:13
